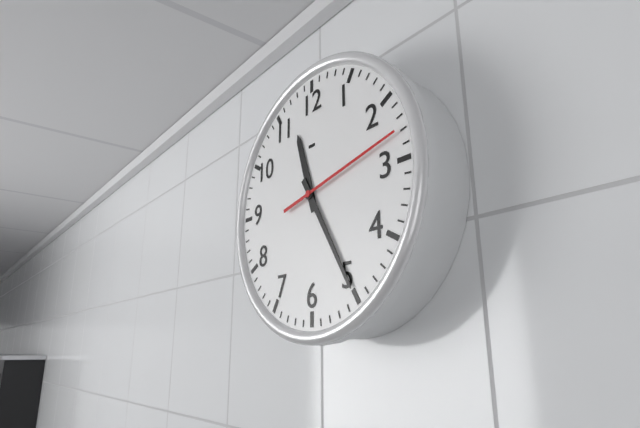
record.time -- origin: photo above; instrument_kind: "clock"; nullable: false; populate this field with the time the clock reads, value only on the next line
11:25:13
